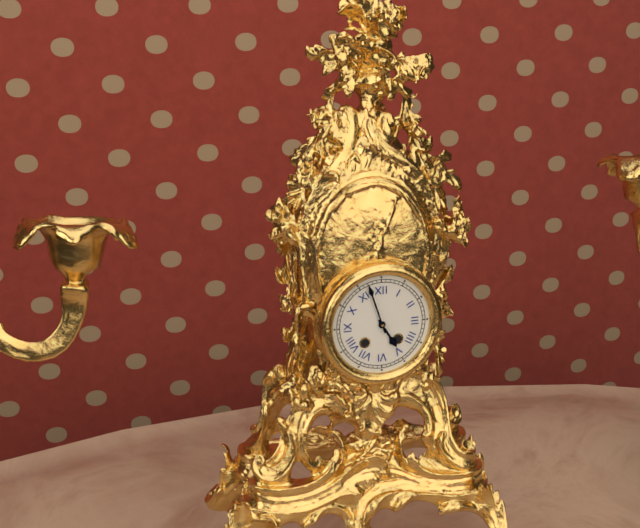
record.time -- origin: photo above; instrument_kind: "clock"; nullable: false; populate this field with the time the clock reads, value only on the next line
4:57
